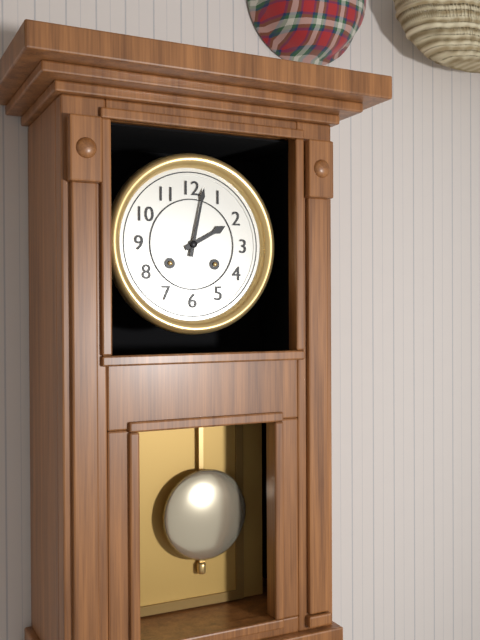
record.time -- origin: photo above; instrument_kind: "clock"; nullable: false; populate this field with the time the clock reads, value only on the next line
2:02
